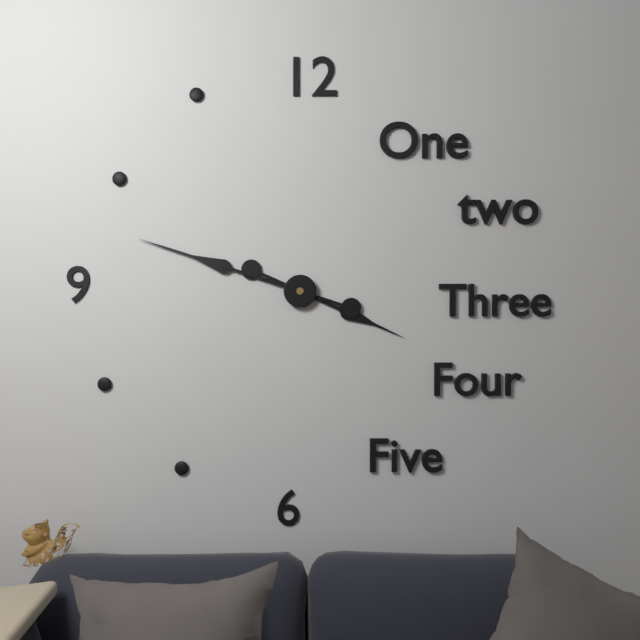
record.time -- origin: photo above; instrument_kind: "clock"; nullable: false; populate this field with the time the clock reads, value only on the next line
3:48
